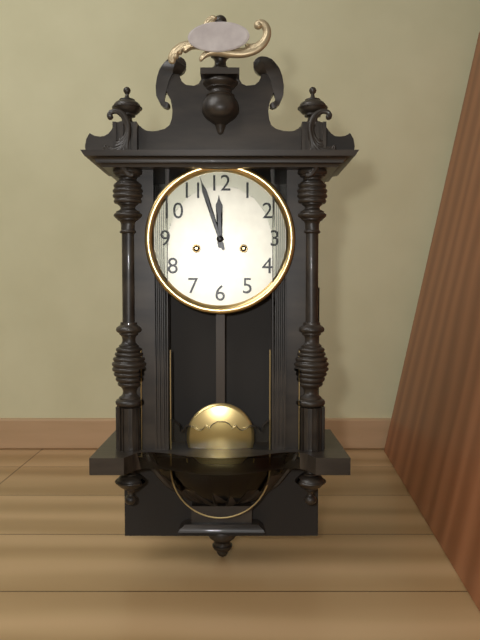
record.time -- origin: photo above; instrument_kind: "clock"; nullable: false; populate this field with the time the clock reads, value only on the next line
11:57
